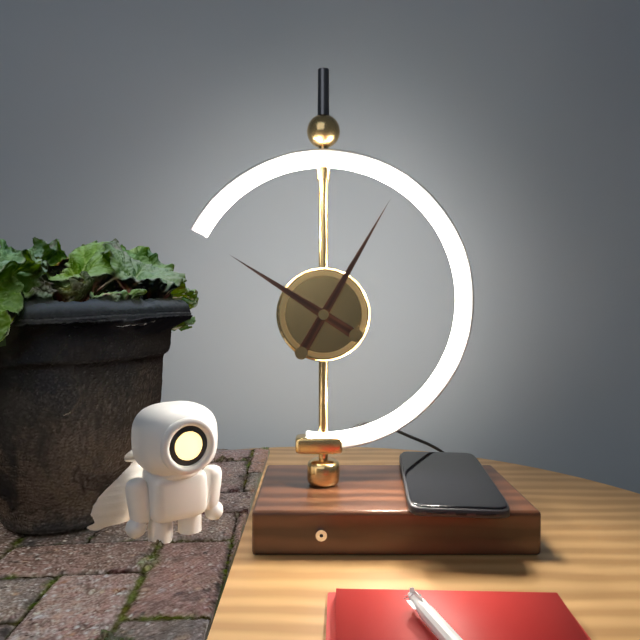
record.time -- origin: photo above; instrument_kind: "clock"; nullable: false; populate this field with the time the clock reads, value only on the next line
10:05
